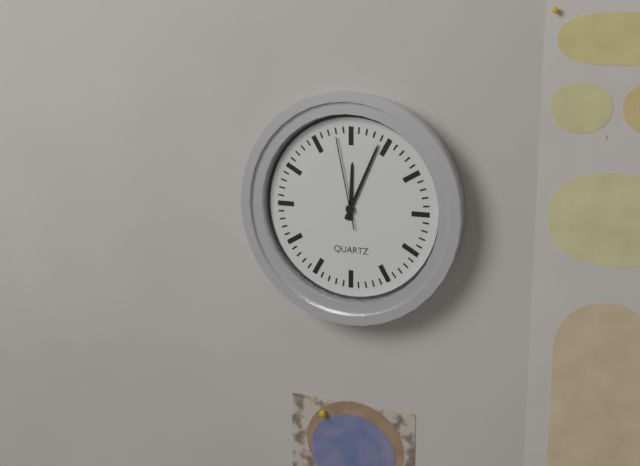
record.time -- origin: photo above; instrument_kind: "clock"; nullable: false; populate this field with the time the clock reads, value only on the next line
12:04:58
